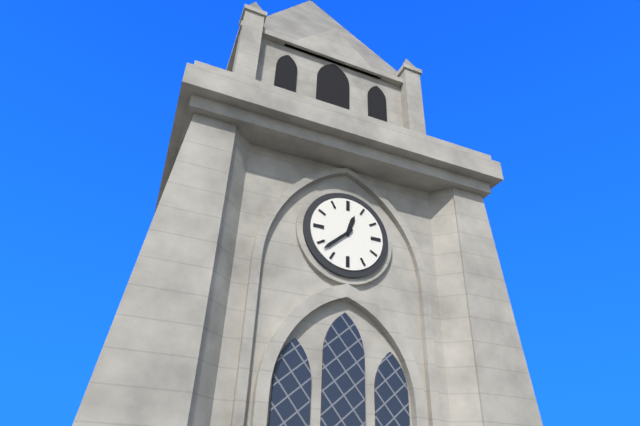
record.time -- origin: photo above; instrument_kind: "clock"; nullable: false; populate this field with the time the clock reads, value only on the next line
12:38
